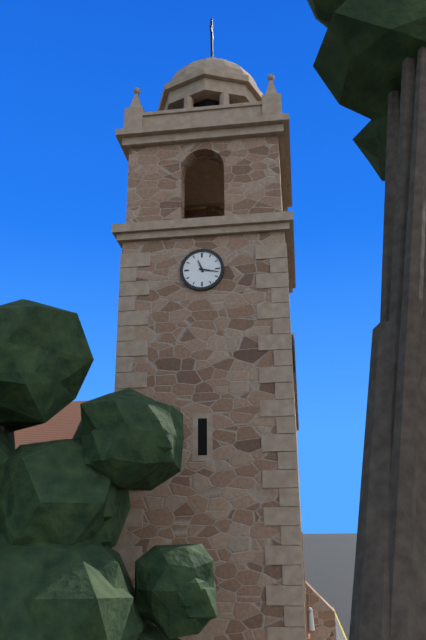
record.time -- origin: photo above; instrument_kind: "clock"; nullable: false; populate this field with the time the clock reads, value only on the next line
11:17
